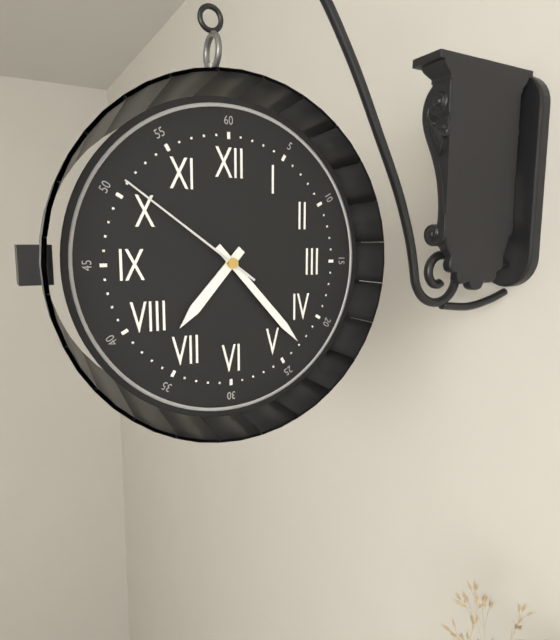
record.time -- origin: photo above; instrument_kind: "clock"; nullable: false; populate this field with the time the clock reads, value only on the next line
7:23:51
